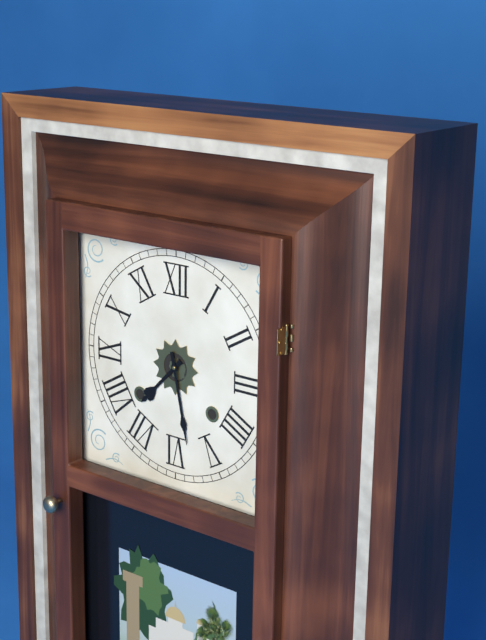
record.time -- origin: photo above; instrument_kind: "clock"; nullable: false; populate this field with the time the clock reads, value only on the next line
7:28
